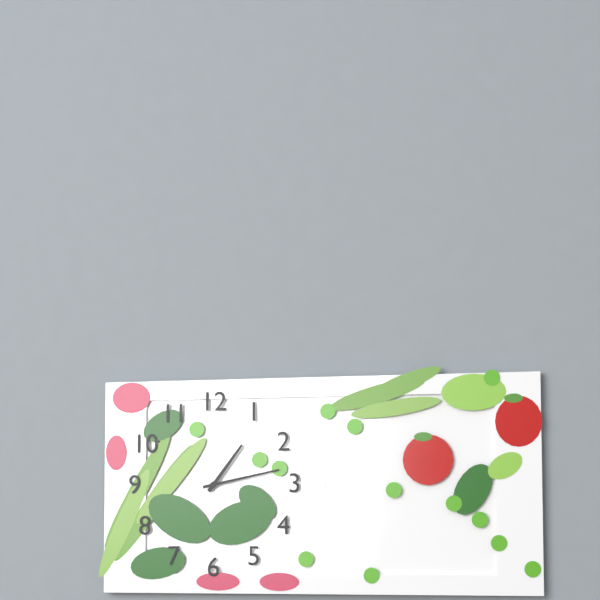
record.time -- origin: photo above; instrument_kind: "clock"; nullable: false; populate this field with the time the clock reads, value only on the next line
1:13
